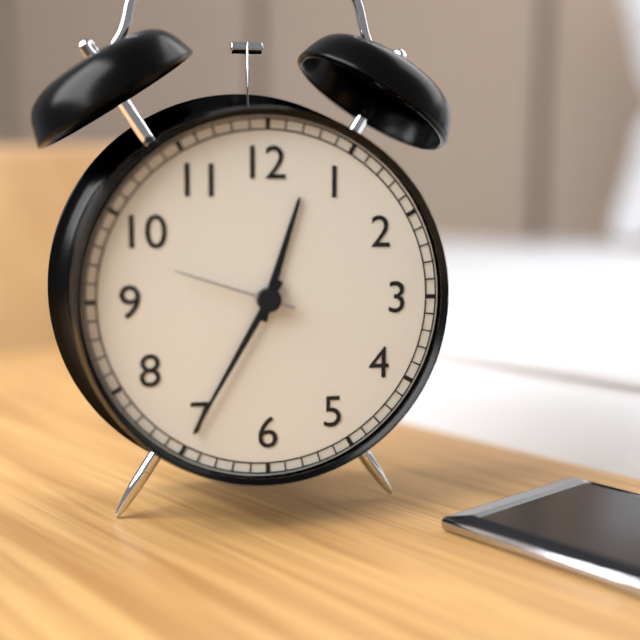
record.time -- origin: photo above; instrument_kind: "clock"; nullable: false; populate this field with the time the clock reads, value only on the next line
12:35:48
